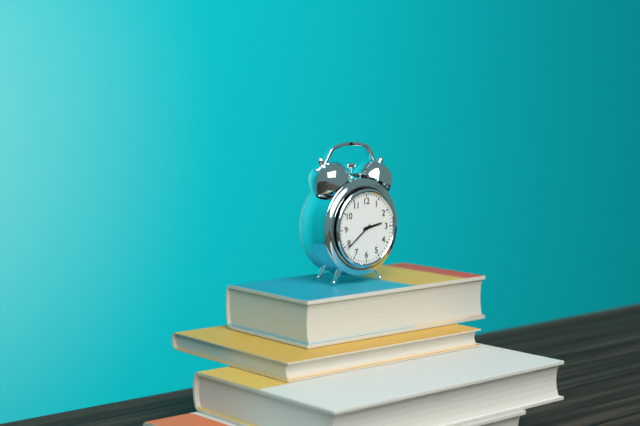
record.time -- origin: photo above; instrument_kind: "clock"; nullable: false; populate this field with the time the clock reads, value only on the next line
2:39
